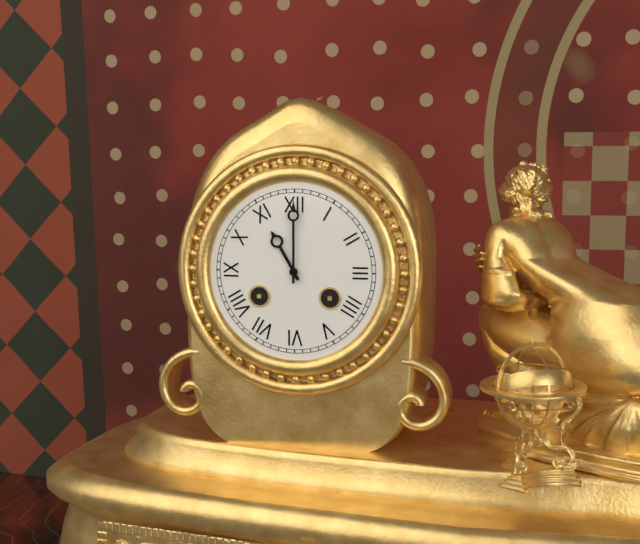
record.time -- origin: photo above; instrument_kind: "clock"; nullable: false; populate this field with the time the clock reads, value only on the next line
11:00
